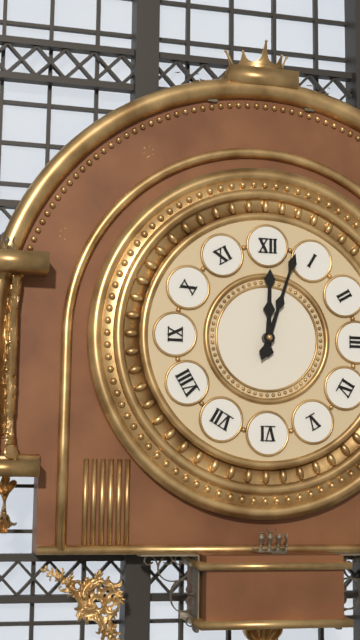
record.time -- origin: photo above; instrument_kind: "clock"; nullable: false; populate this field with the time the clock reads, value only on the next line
12:03
